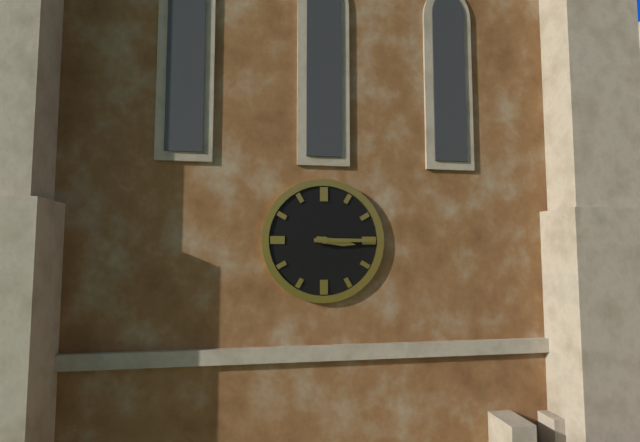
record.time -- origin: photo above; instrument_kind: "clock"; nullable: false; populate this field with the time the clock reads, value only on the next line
3:15
